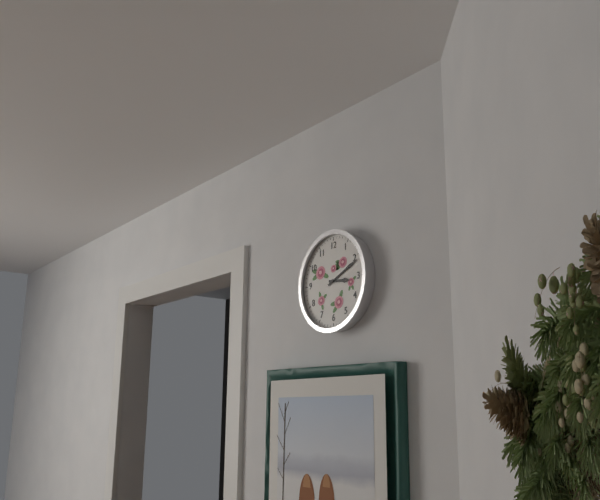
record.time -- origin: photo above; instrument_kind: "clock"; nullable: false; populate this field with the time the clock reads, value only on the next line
3:11
